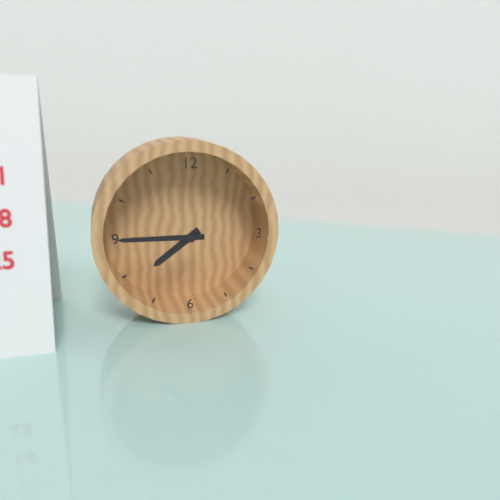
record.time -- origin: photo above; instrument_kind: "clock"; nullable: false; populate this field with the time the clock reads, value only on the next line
7:45
